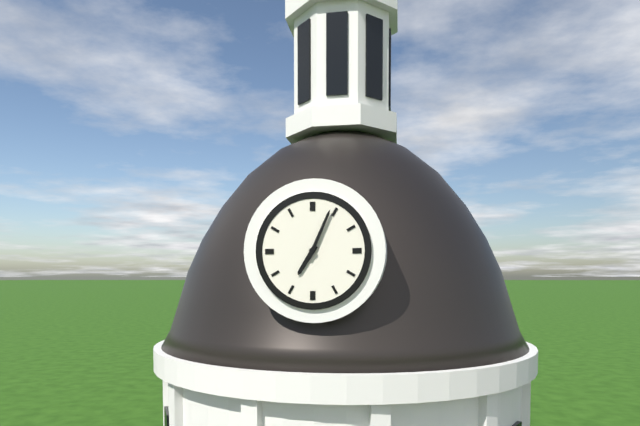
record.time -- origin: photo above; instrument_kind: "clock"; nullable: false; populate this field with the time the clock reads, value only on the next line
7:04
